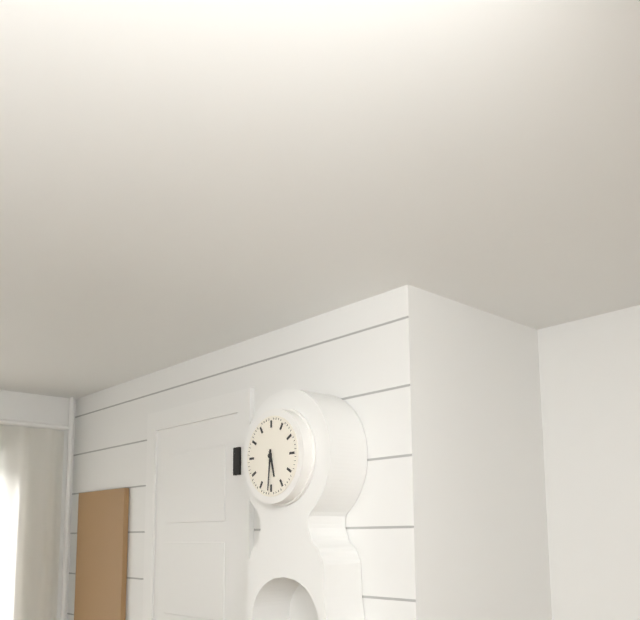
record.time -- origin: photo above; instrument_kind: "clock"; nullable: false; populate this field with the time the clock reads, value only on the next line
5:31
